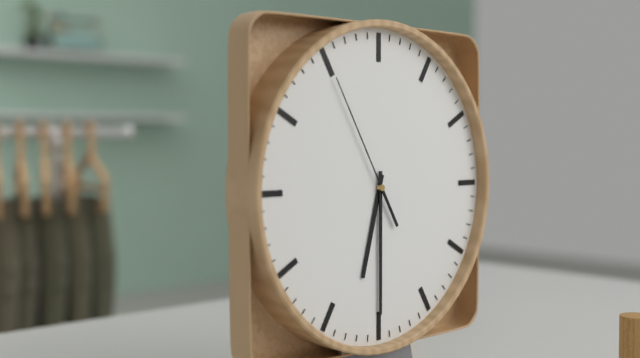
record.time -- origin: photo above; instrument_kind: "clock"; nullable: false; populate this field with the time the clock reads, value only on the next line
6:30:55
